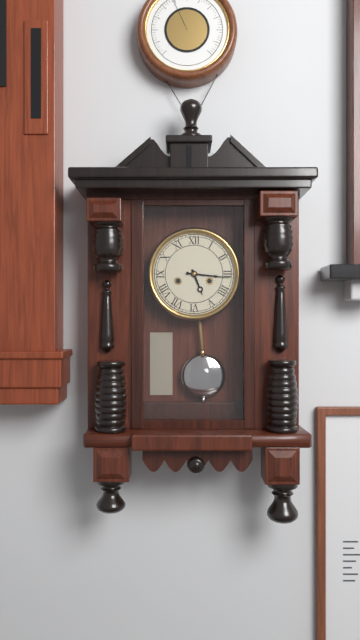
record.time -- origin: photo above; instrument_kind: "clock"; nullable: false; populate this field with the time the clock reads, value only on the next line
5:16
